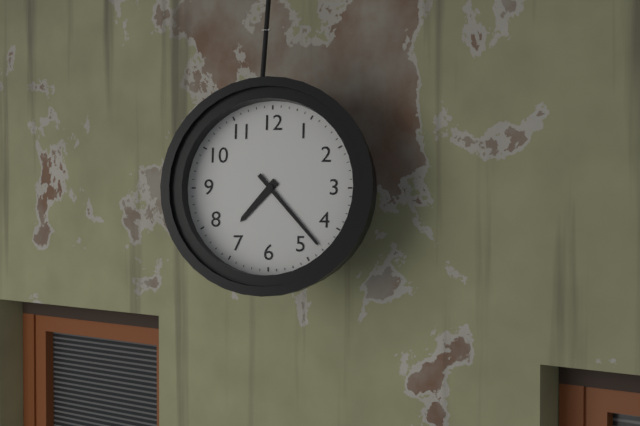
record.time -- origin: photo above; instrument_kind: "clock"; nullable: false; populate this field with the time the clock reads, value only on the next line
7:23
